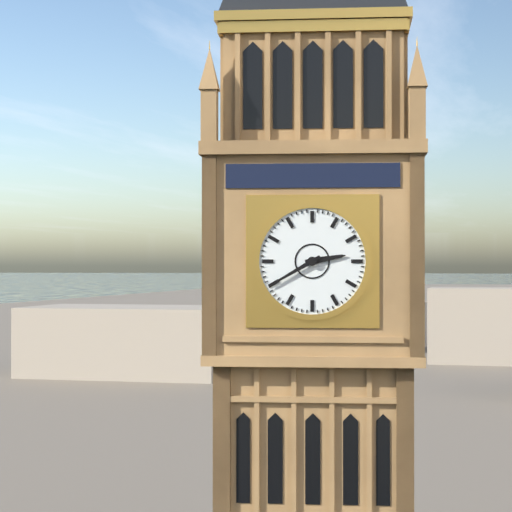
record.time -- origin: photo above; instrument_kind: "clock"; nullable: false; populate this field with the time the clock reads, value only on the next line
2:40
